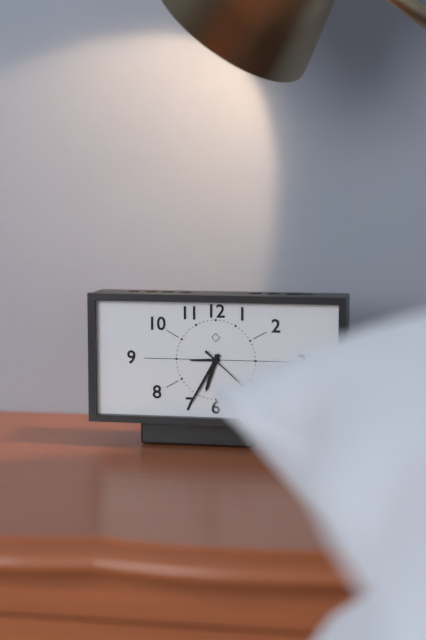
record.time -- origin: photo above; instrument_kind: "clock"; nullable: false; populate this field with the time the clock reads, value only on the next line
6:35
